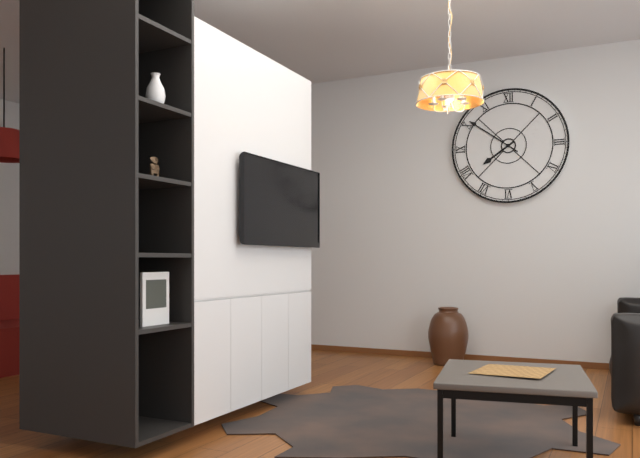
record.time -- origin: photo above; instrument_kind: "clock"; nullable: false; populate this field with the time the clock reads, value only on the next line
7:51
